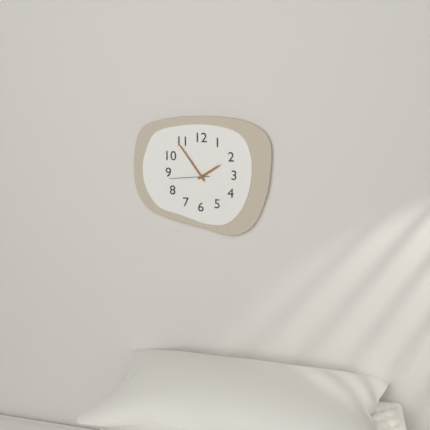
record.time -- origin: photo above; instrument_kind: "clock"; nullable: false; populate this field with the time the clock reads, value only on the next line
1:54
